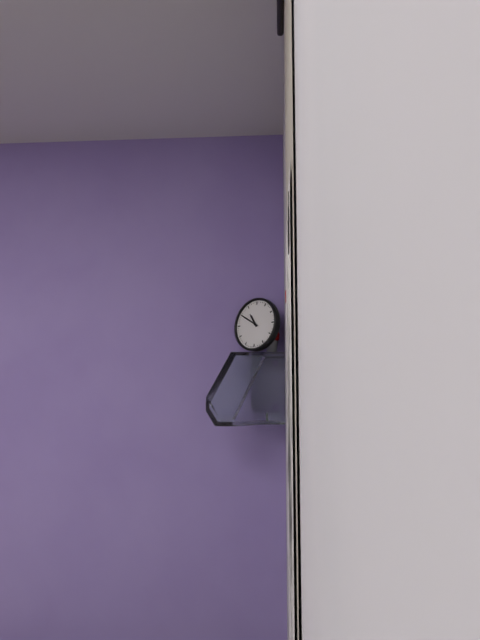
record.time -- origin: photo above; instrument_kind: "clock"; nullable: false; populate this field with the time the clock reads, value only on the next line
10:50
